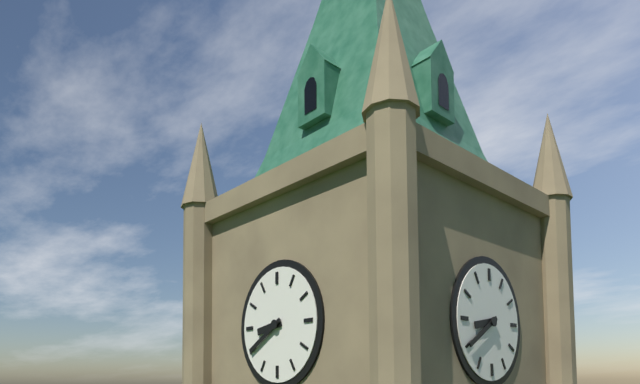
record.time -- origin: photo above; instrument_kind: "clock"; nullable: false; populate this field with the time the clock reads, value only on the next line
8:40
